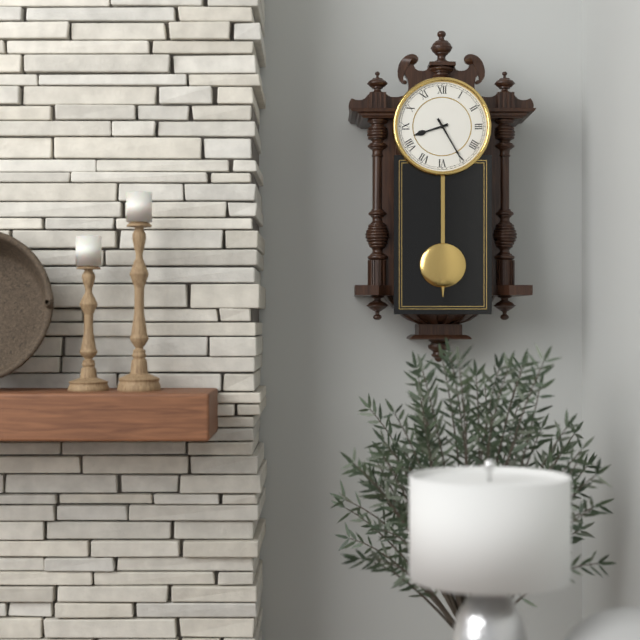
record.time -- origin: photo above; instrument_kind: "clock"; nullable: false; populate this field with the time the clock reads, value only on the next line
8:25
